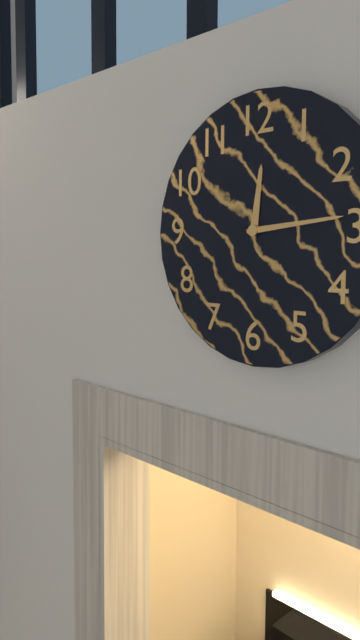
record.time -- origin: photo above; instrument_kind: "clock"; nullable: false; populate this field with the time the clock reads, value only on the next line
12:14
